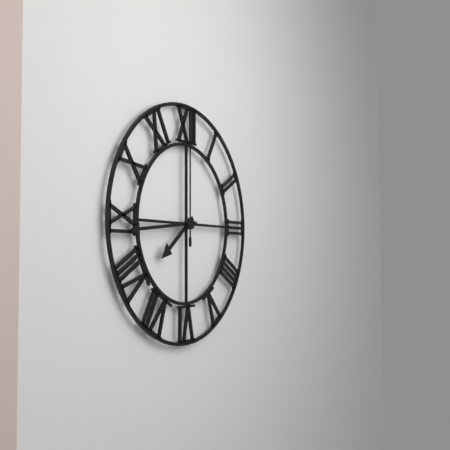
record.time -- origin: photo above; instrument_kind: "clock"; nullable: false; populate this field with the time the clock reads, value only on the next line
7:44:00
